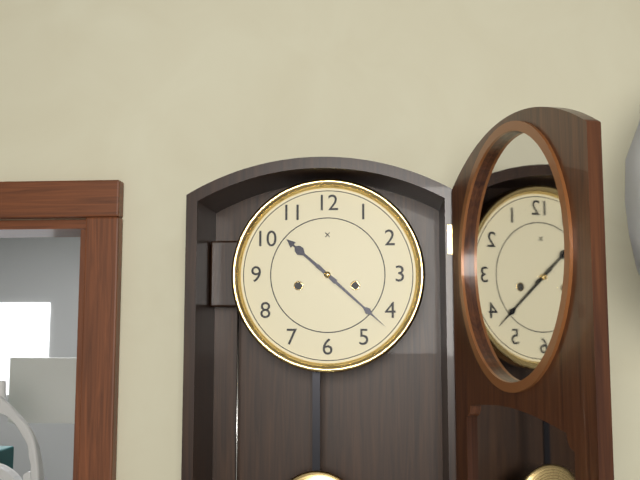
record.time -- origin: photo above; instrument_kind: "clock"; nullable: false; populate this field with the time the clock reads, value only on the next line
10:22
